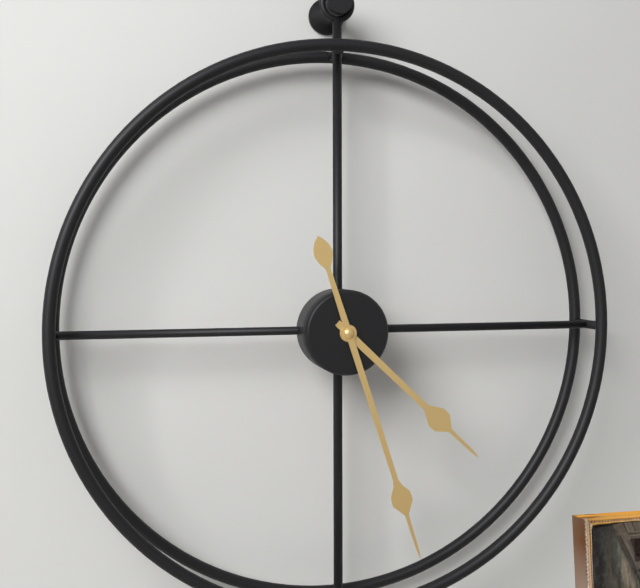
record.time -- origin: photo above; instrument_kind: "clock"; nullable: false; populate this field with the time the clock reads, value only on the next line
4:27
